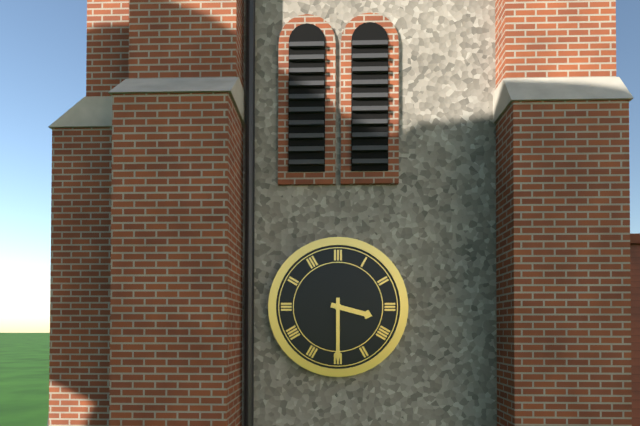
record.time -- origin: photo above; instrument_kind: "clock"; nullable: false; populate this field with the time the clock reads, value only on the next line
3:30
